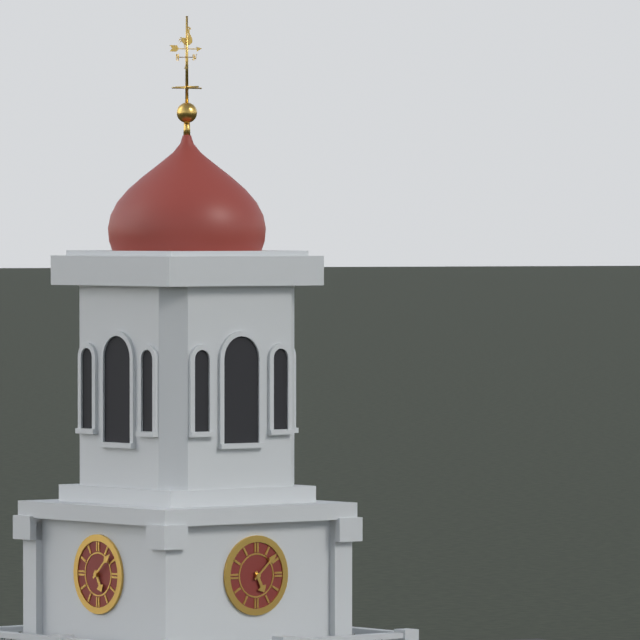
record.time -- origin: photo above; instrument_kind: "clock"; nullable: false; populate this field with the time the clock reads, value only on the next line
5:08
